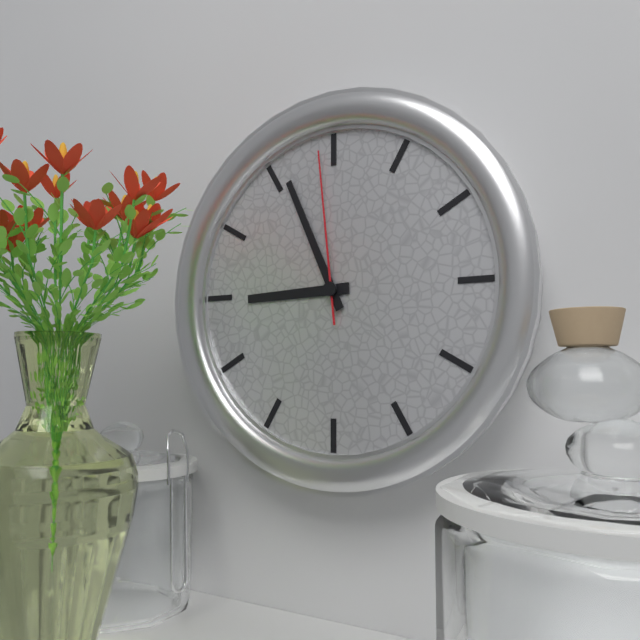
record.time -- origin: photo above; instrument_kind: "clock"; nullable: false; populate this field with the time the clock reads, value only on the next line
8:56:59
